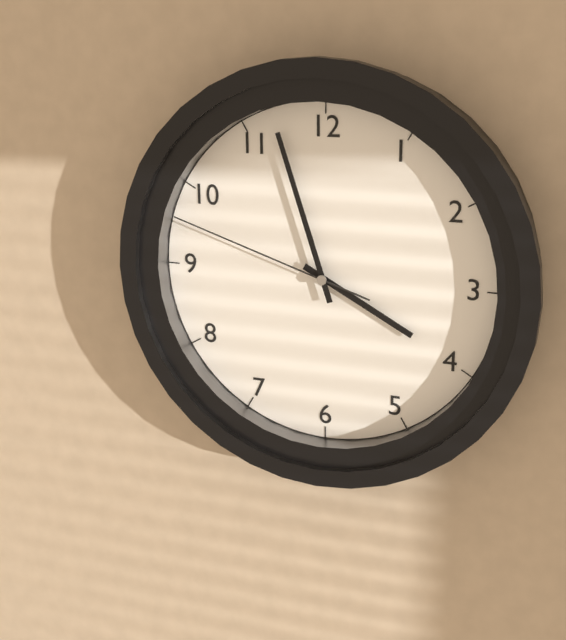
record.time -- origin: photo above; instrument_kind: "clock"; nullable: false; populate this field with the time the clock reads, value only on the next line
3:57:48
